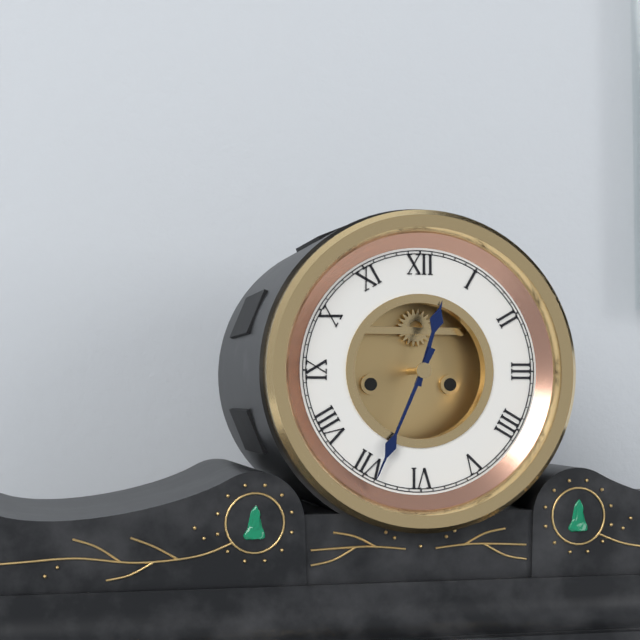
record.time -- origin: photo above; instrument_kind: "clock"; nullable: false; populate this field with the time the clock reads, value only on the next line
12:34
